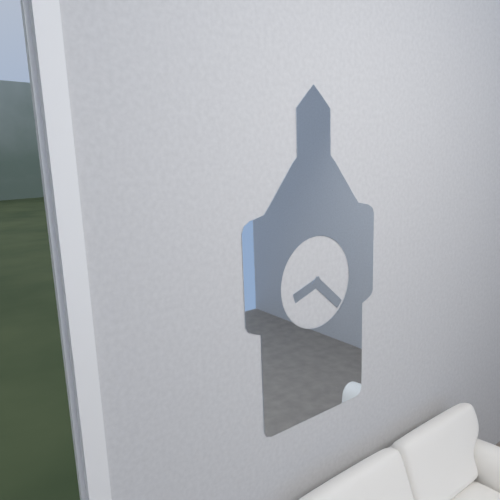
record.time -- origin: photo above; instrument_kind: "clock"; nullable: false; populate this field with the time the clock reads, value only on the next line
8:22
